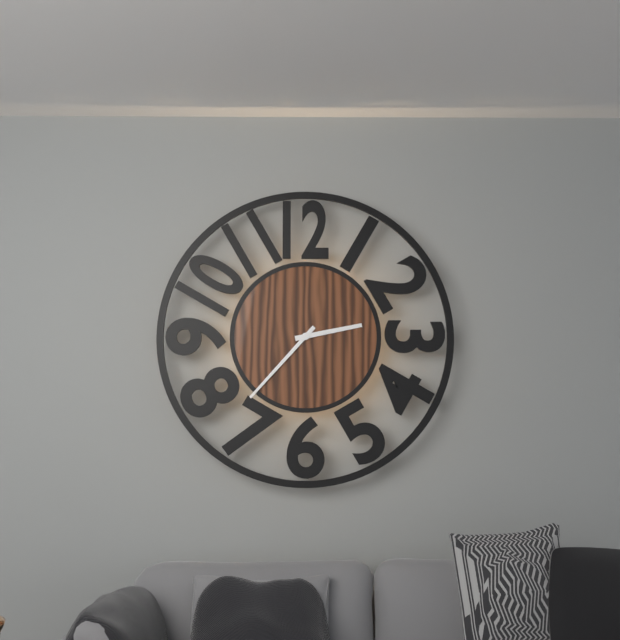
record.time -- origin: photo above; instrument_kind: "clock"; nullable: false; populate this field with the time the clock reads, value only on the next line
2:37
